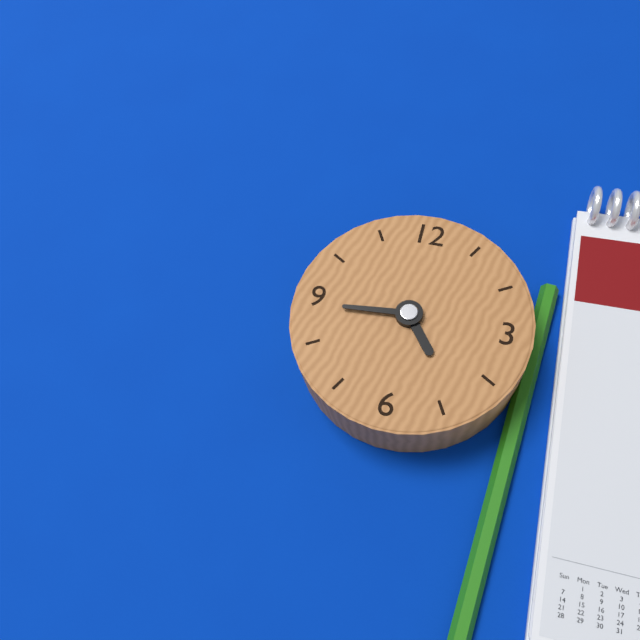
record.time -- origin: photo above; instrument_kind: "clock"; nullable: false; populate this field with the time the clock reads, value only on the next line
4:44
